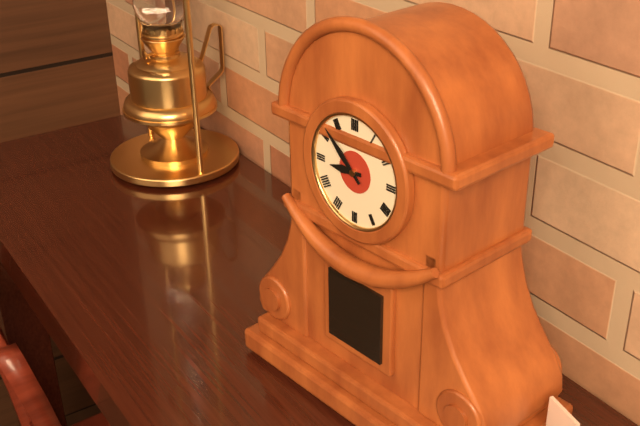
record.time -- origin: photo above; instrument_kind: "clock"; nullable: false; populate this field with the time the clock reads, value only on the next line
8:52
